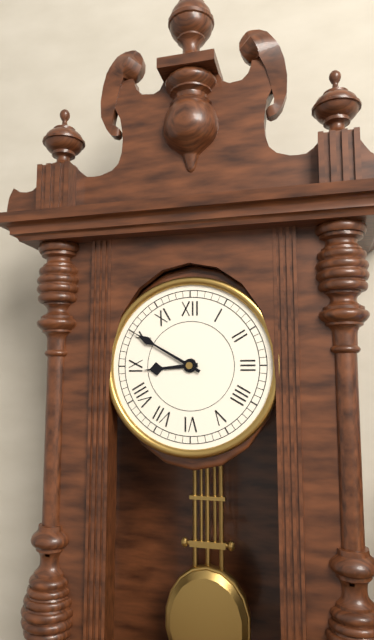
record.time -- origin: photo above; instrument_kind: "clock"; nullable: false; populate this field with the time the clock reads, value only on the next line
8:50
